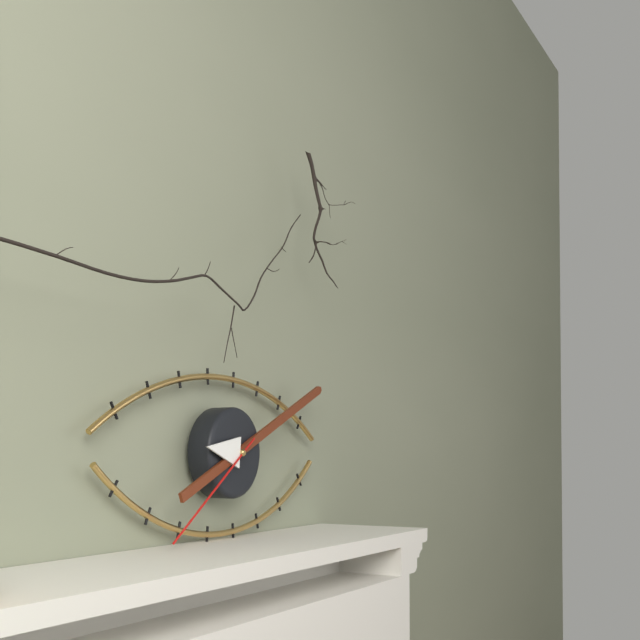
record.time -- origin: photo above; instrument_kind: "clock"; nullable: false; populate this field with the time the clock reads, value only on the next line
9:11:39
